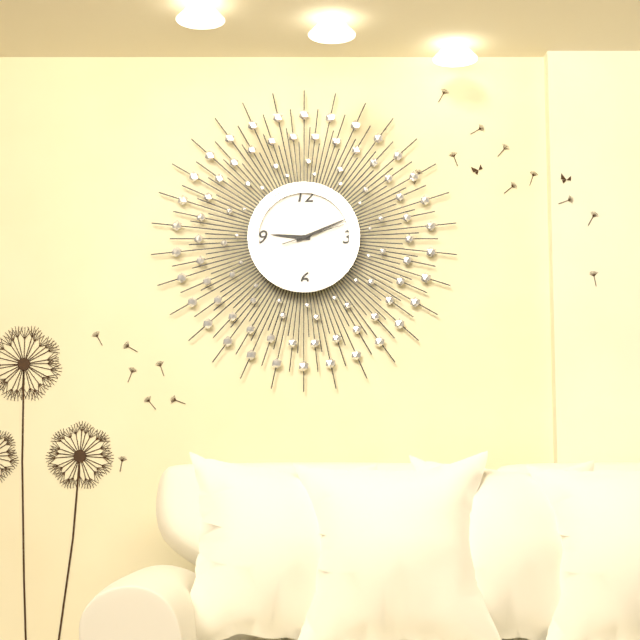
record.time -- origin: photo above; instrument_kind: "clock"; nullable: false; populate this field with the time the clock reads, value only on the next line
9:11:12
